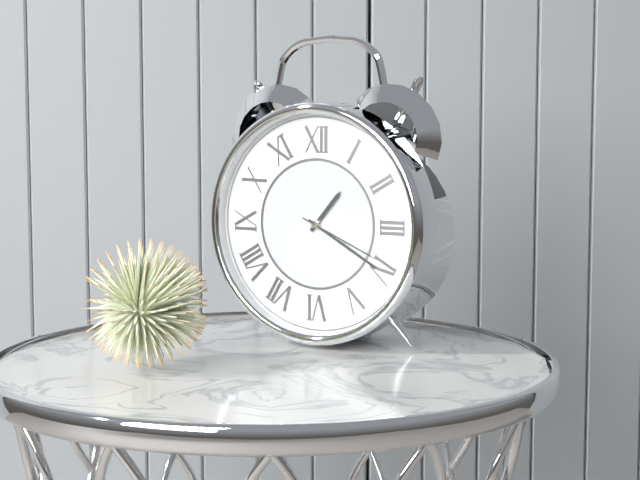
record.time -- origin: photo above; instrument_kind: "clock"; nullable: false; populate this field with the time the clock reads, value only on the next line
1:20:19
